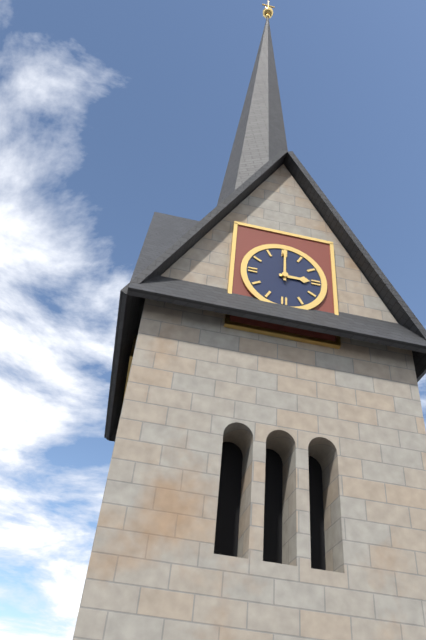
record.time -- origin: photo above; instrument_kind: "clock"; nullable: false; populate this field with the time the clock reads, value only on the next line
3:00
